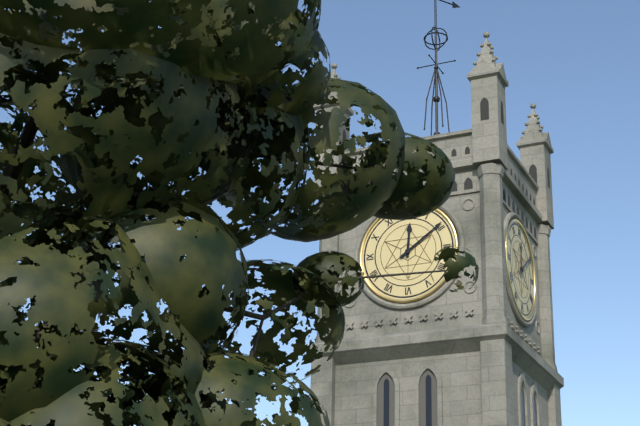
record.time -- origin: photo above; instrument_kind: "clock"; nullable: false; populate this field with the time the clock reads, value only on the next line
12:09
